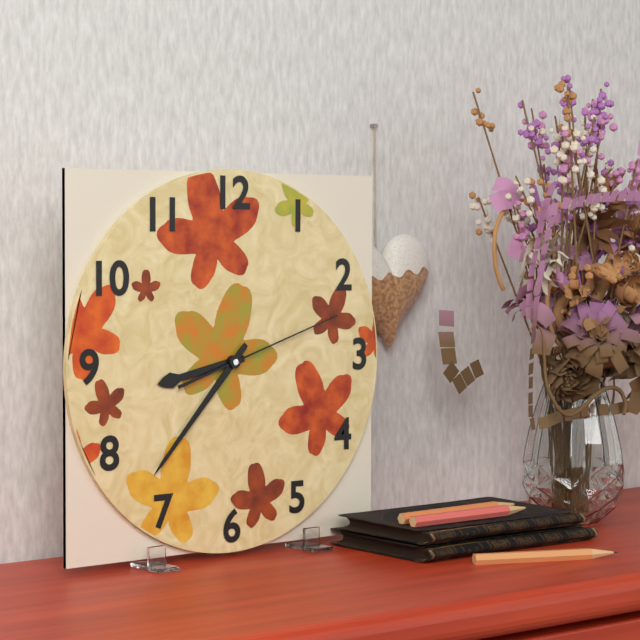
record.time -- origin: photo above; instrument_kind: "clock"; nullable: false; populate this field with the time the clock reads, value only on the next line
8:37:12
